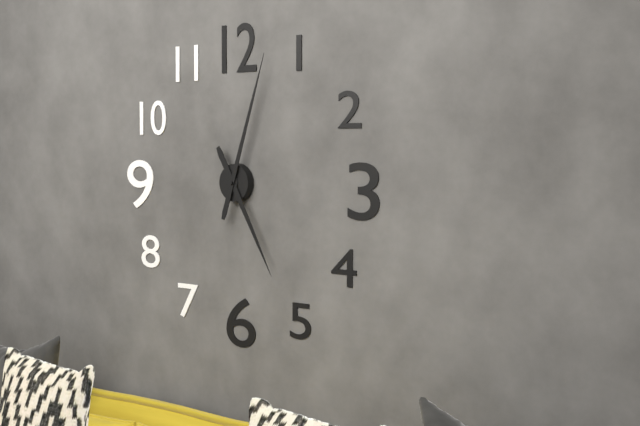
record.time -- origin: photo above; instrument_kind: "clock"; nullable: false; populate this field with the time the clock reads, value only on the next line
5:03
